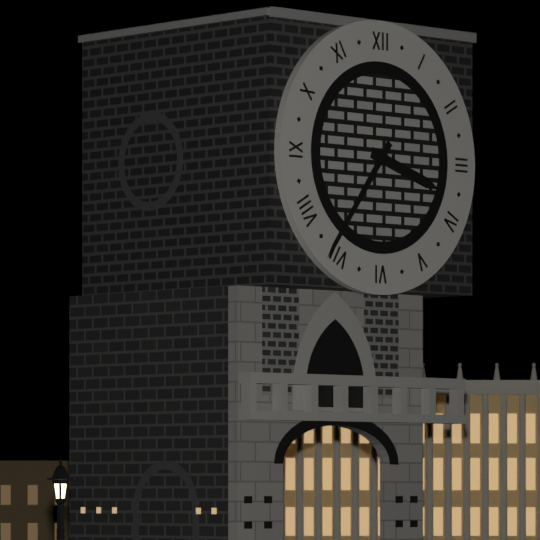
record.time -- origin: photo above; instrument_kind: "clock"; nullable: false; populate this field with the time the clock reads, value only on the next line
3:36
